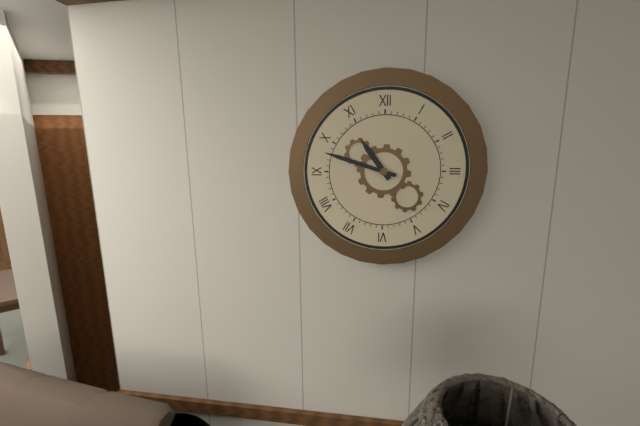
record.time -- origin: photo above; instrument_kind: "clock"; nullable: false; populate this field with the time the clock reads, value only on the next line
10:48
